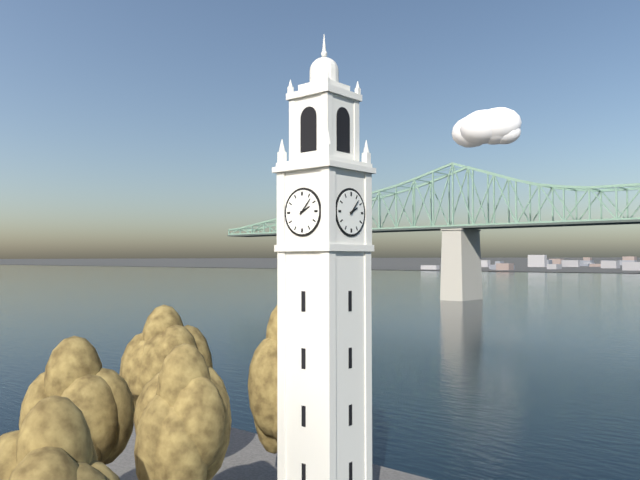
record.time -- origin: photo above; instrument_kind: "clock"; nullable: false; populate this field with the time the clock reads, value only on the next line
2:07
